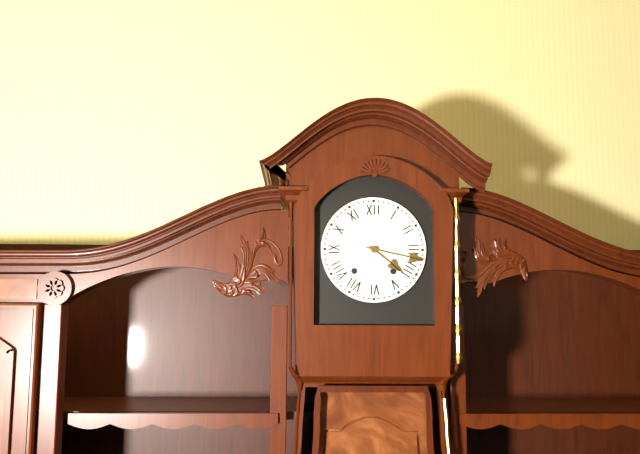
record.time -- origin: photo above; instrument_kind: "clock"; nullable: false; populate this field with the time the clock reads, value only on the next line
4:17
